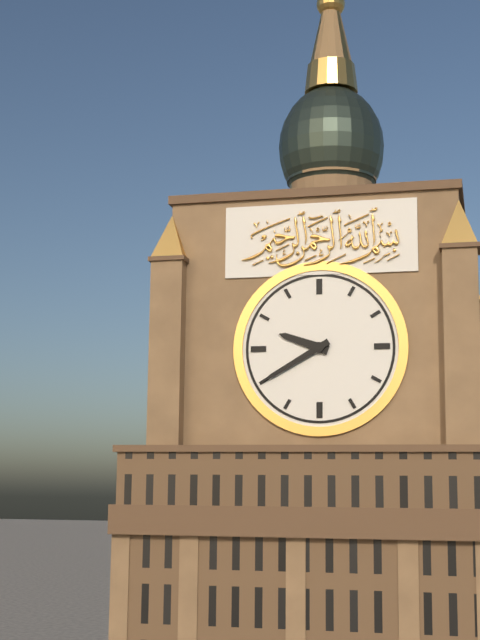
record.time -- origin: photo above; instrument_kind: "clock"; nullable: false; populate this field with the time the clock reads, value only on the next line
9:40
